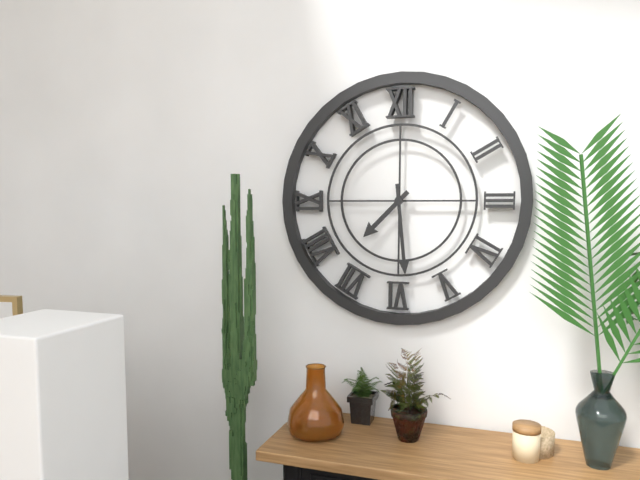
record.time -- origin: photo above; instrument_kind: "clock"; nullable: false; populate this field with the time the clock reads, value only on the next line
7:29
